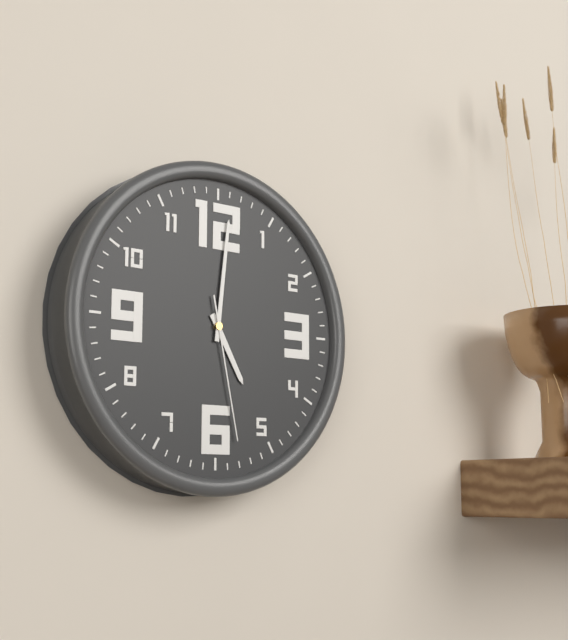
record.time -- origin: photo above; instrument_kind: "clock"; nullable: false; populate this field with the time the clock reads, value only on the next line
5:01:28
